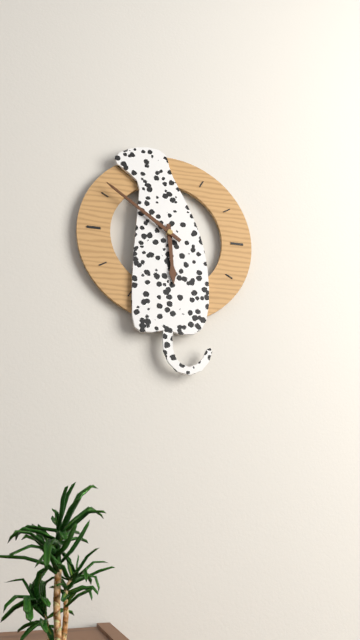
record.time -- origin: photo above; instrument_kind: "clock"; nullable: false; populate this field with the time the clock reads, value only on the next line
5:51
